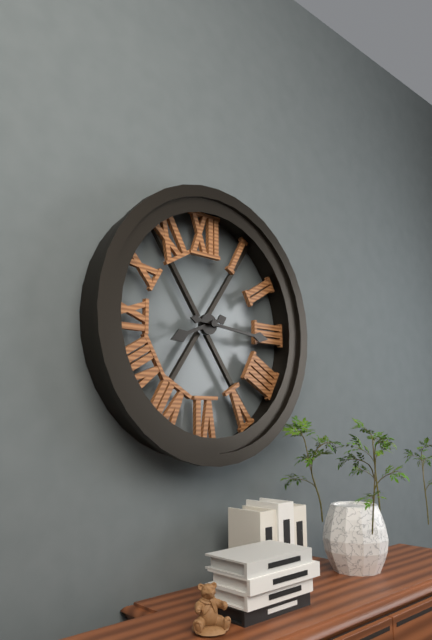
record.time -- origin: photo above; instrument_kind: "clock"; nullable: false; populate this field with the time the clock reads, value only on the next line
8:16
